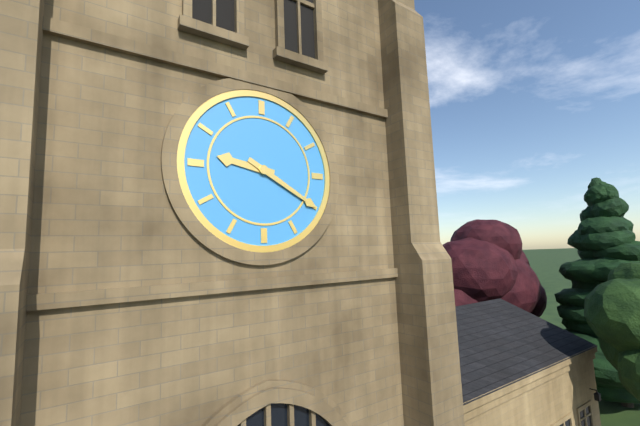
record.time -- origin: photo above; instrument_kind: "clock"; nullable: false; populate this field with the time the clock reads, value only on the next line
9:20
